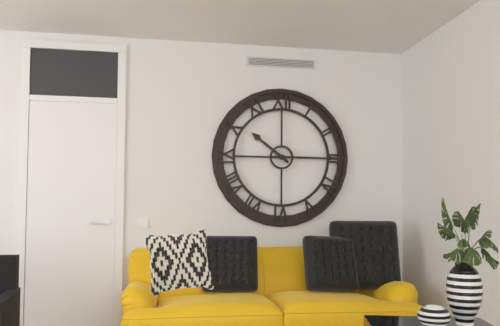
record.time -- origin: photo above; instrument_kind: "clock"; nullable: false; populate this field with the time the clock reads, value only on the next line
10:15
